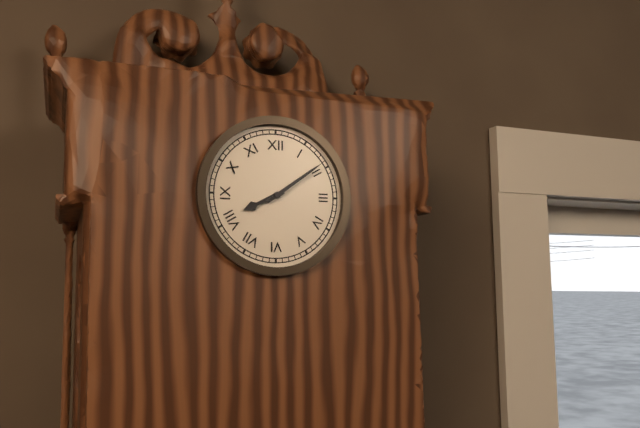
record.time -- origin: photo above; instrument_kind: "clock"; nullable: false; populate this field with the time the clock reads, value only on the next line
8:09
